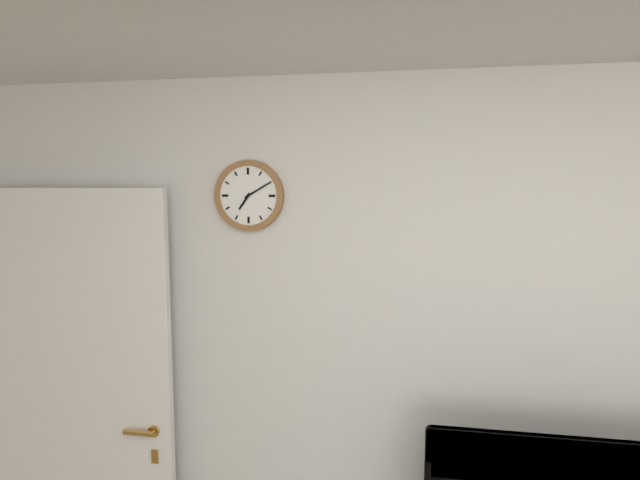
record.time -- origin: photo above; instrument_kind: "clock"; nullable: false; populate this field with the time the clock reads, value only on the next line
7:10
